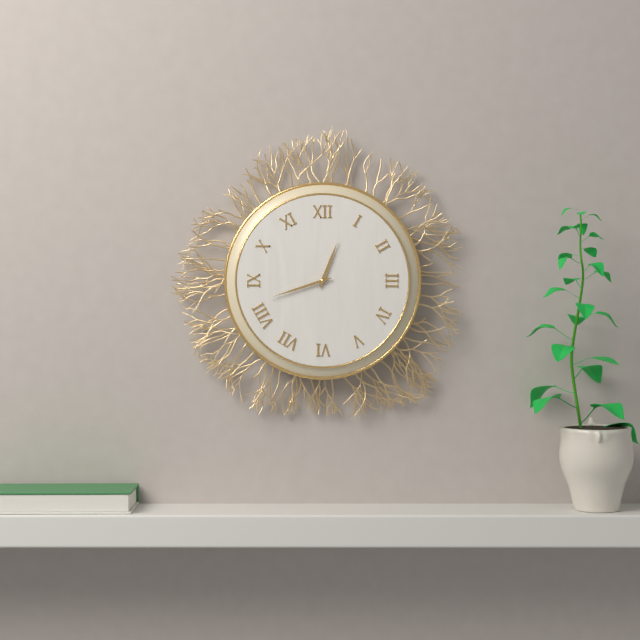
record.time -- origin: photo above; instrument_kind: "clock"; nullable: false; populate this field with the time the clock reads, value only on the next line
12:42
